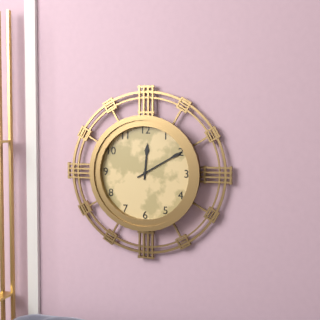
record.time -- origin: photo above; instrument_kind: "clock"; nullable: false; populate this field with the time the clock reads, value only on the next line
12:10
